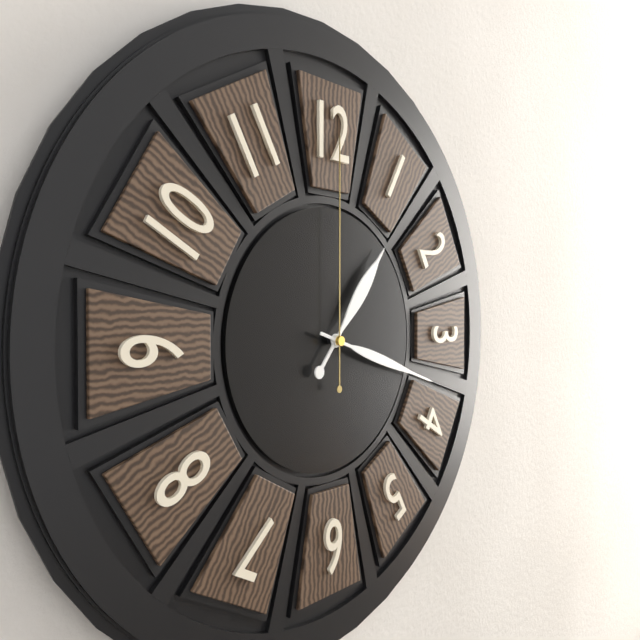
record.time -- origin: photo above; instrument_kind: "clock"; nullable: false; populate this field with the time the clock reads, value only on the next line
1:18:00
